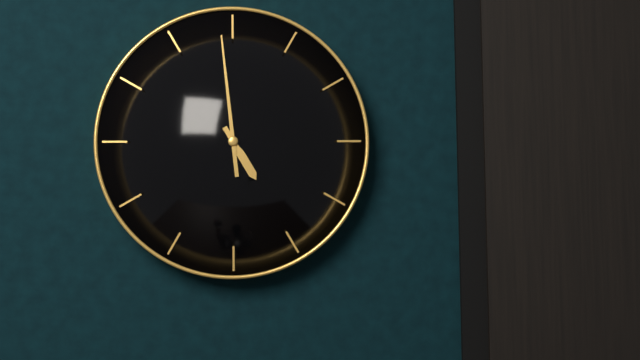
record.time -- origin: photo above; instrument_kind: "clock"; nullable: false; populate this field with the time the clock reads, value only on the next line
4:59
